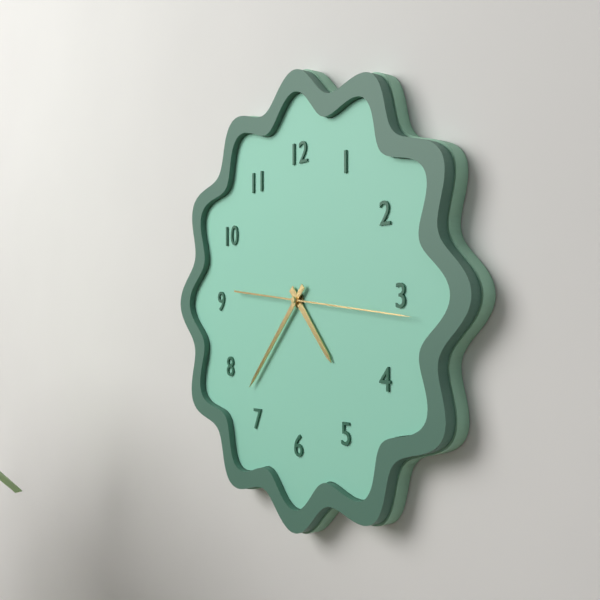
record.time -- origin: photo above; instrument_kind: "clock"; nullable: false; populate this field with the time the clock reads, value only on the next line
4:37:16
